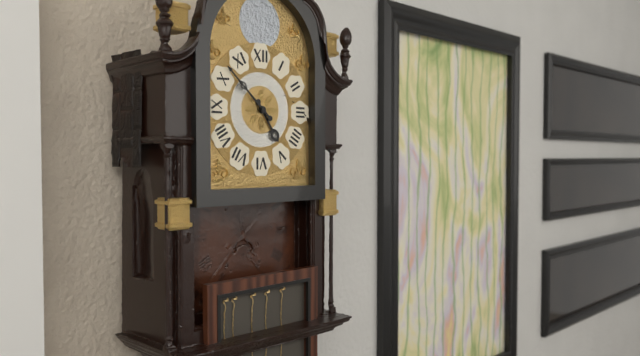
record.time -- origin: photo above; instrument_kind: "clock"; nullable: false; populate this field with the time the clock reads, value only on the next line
4:52
